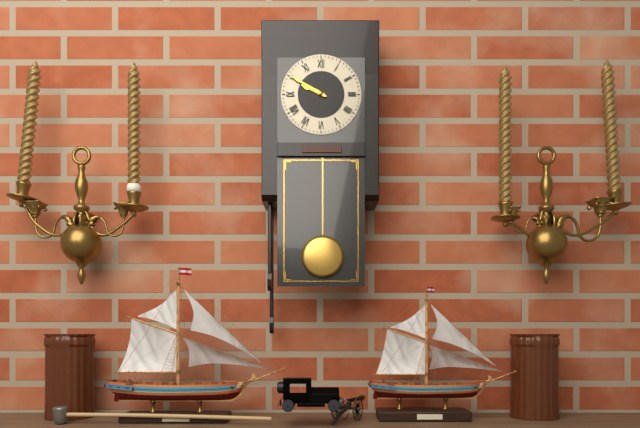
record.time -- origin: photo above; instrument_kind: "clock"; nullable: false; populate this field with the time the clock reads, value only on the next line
9:50
